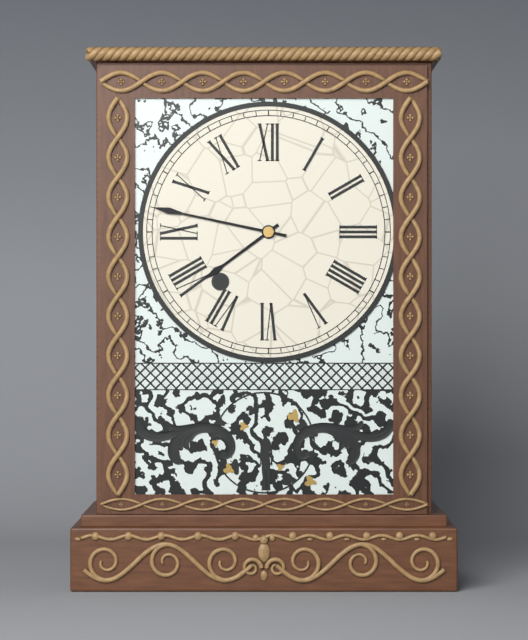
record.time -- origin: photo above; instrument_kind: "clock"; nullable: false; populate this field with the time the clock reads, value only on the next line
7:47
